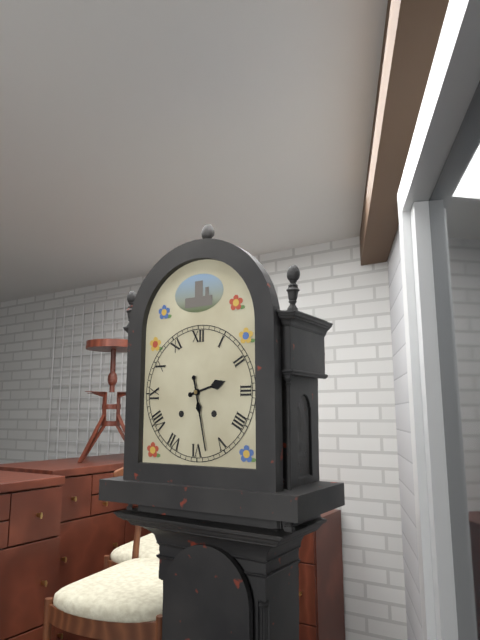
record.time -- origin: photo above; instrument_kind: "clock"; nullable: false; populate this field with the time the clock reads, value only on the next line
2:28
